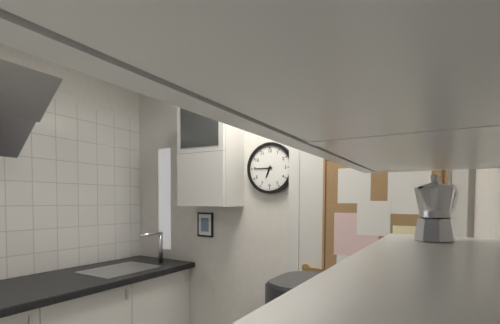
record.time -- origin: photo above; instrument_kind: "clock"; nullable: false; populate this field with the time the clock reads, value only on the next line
6:45
